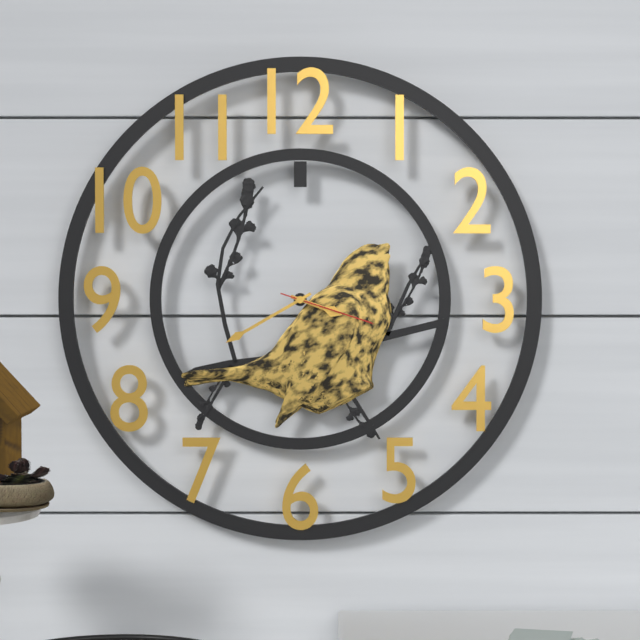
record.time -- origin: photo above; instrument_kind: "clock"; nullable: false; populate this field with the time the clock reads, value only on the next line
3:40:18
